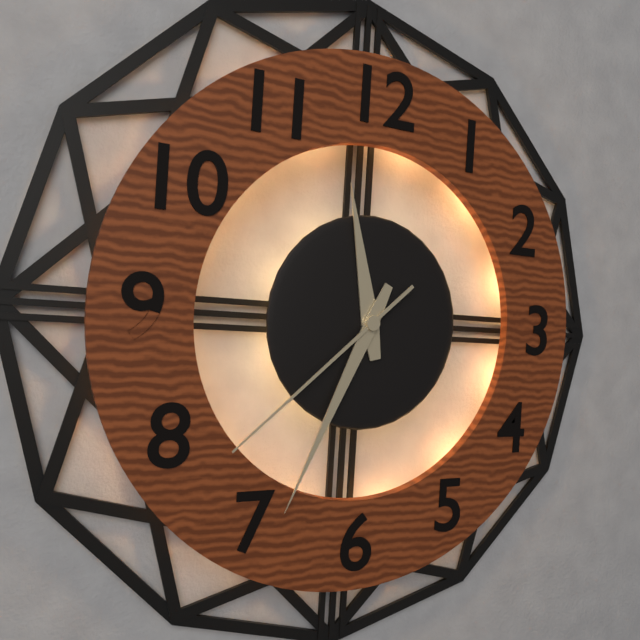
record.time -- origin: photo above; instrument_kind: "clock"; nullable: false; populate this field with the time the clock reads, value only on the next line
11:34:38
